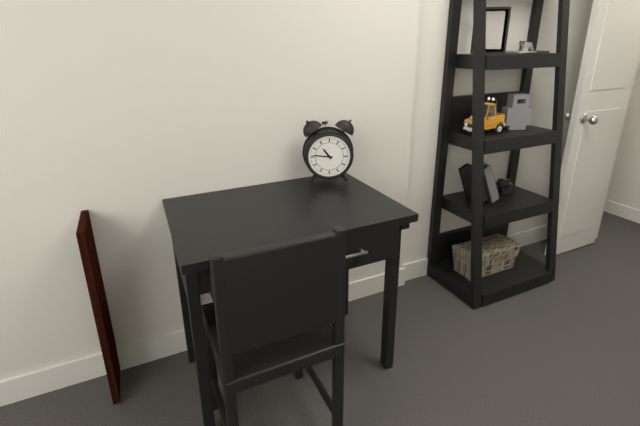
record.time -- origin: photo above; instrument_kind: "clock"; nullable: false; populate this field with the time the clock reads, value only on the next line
10:46
